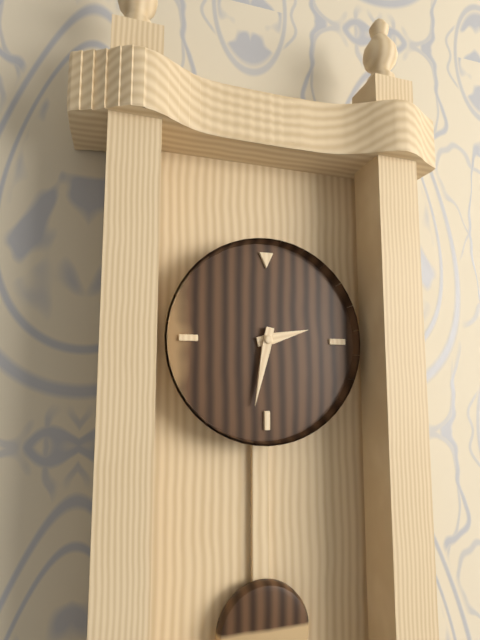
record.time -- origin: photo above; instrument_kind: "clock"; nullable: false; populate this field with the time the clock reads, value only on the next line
2:32
